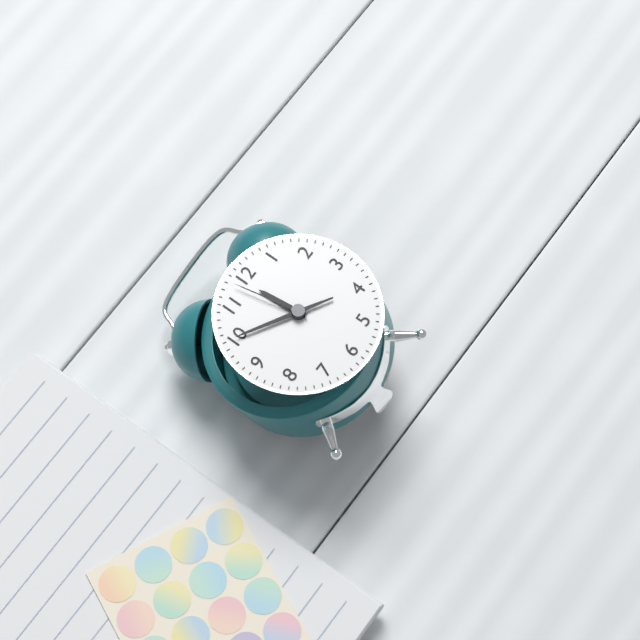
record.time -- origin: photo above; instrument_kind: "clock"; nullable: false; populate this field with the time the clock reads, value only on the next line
11:50:58
